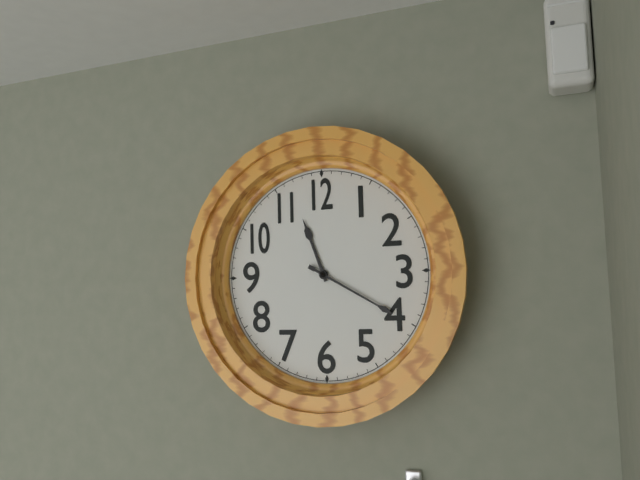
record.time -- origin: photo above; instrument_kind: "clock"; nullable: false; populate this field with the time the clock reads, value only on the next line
11:20
